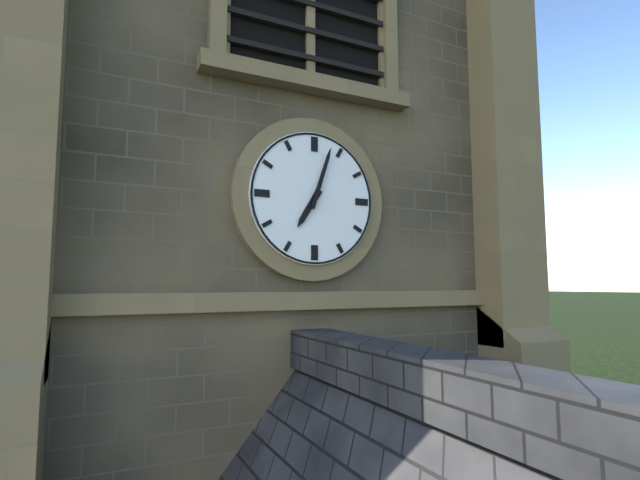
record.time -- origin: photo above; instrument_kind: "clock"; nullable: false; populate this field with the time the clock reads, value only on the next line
7:03
